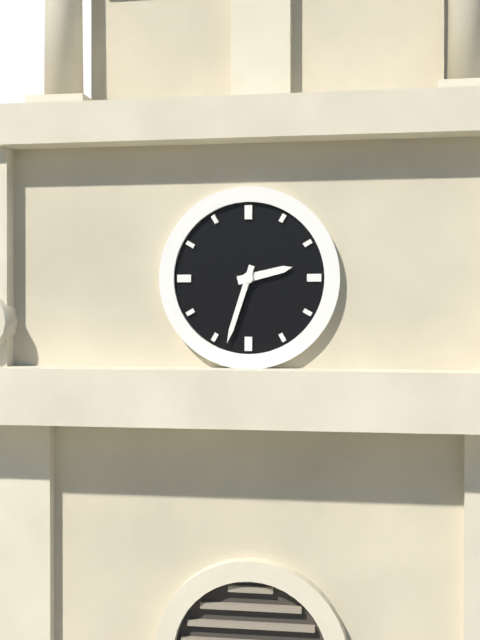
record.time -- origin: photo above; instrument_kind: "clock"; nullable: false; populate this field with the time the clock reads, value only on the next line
2:33
